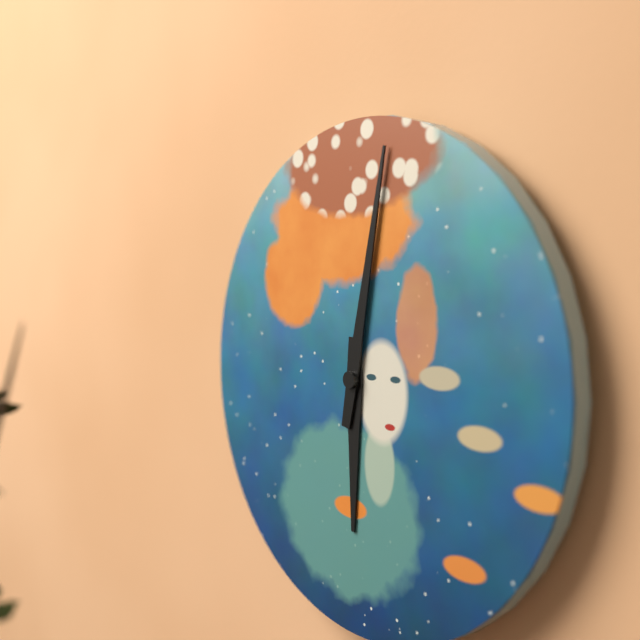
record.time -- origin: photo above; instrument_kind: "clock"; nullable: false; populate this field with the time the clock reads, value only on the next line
6:02
